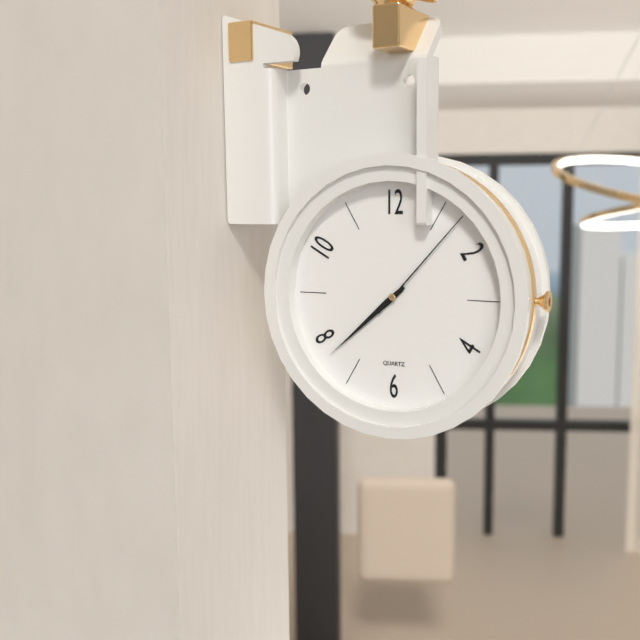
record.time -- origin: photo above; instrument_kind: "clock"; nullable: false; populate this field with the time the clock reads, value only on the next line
7:38:07
